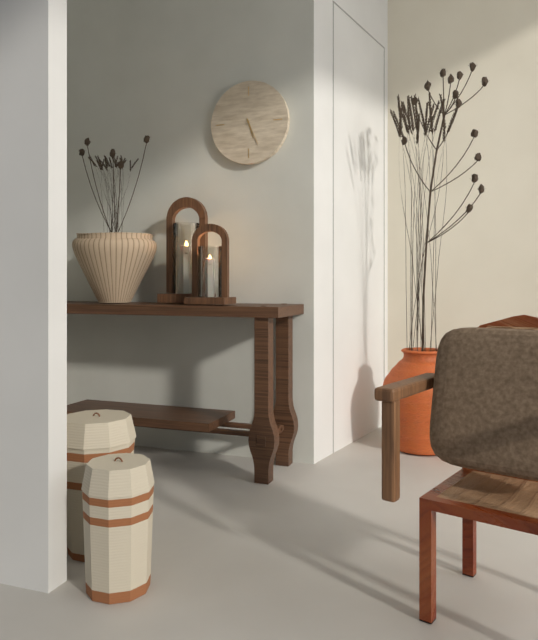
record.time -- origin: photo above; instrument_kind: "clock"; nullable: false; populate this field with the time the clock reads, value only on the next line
5:26
